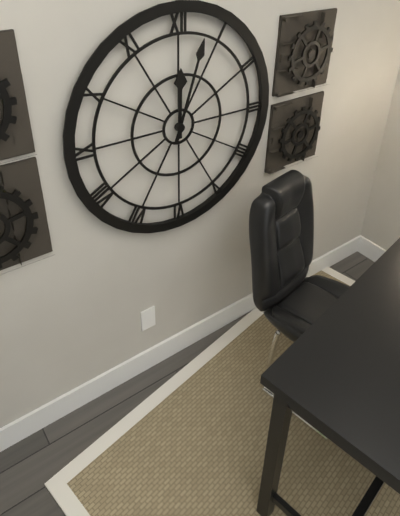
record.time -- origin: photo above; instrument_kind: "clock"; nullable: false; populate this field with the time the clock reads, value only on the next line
12:03
